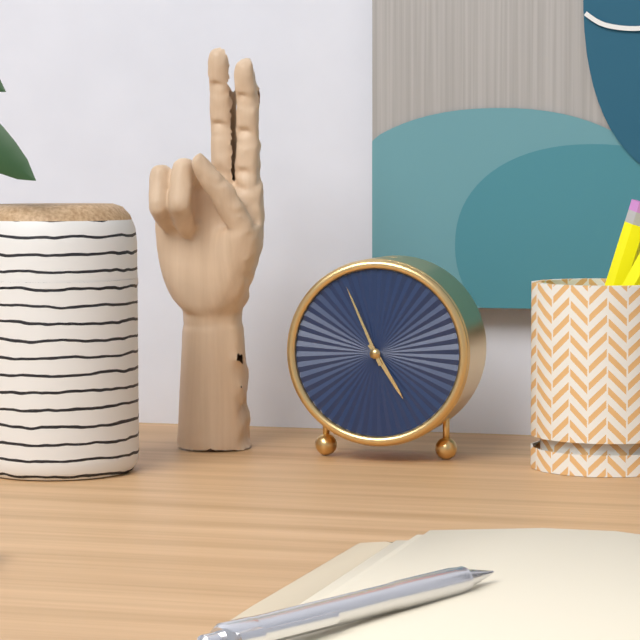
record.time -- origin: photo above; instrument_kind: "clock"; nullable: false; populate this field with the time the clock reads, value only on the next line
4:56
